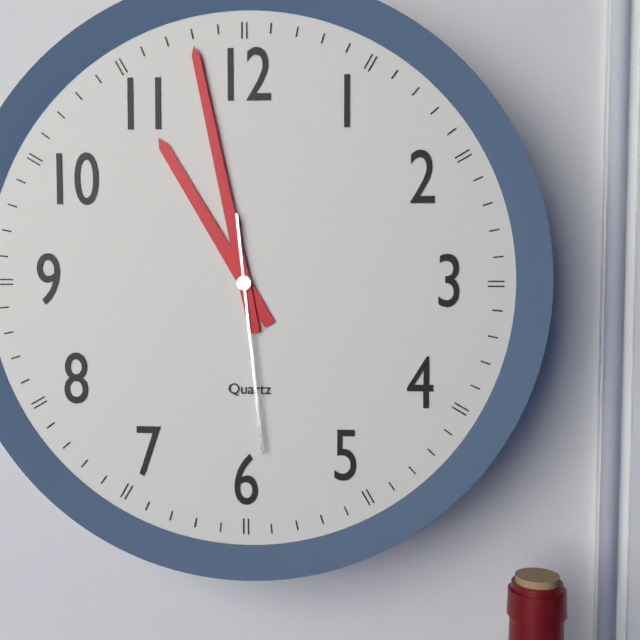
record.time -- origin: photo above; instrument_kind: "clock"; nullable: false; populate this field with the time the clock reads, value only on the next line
10:58:29
